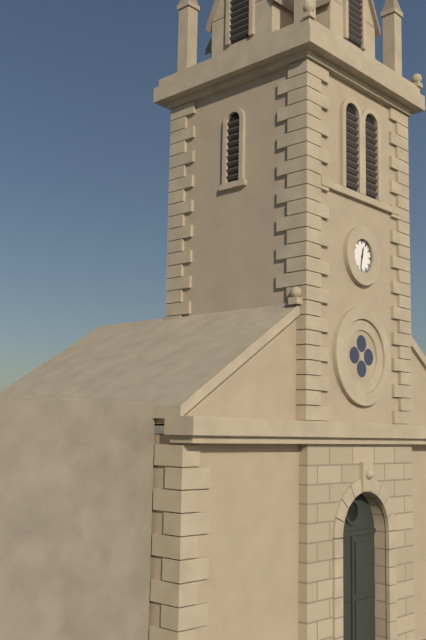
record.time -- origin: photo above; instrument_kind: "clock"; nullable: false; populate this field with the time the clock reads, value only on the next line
12:32
